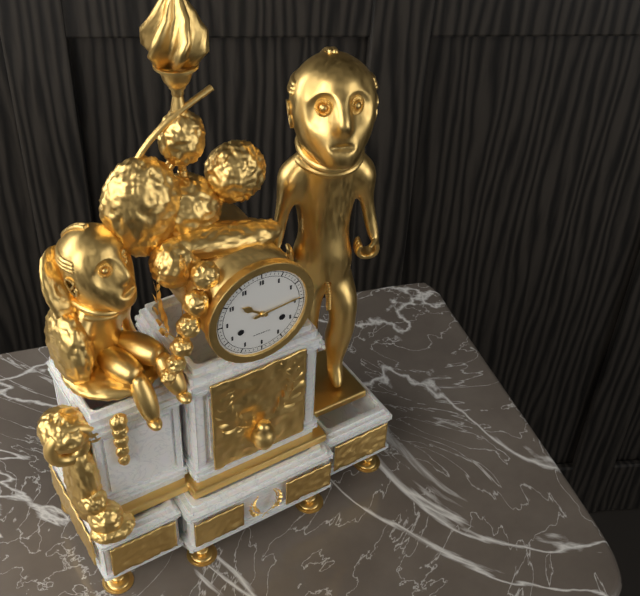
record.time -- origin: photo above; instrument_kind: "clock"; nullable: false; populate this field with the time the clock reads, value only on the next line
10:14
